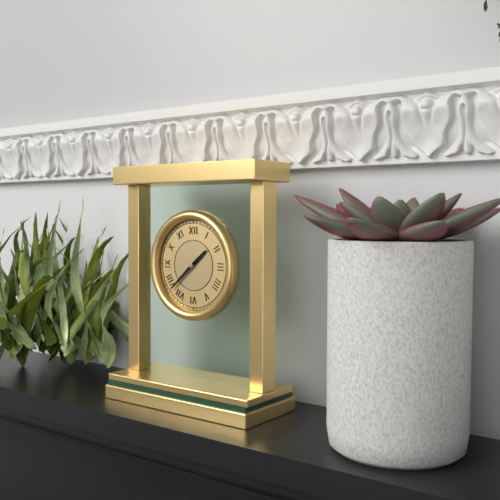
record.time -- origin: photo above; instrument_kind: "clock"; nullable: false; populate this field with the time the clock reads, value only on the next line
1:38
